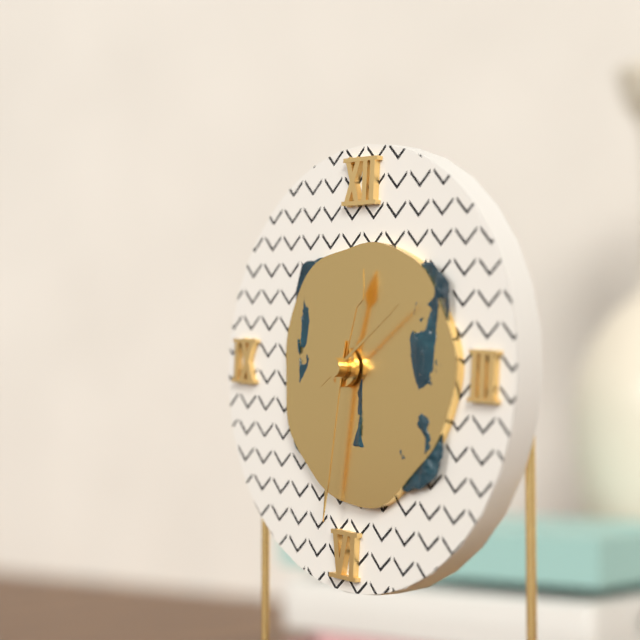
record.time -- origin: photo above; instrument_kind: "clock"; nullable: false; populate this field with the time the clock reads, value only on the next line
12:31:09
